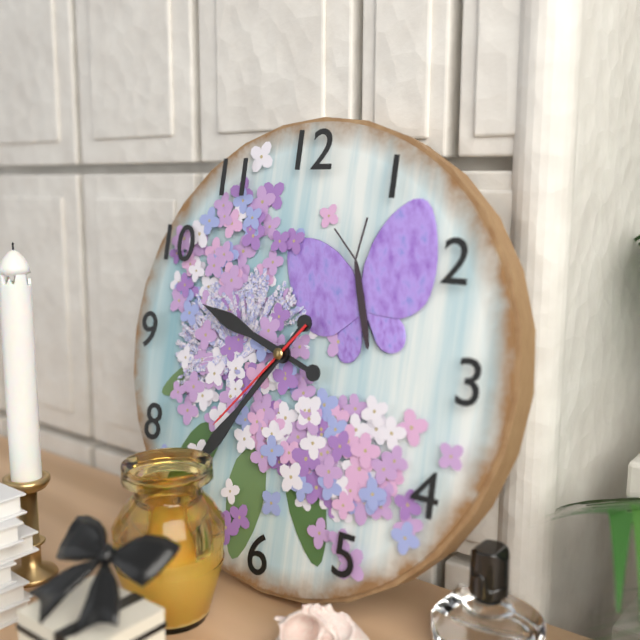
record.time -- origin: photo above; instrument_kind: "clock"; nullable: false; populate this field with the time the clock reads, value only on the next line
9:36:37
